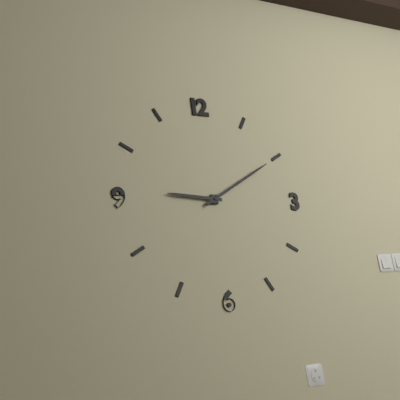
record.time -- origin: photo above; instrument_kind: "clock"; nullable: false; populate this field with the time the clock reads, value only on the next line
9:10
